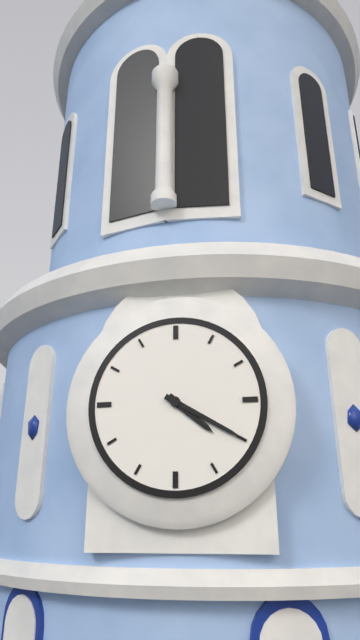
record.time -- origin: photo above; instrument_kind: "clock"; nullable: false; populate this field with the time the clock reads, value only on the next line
4:20
